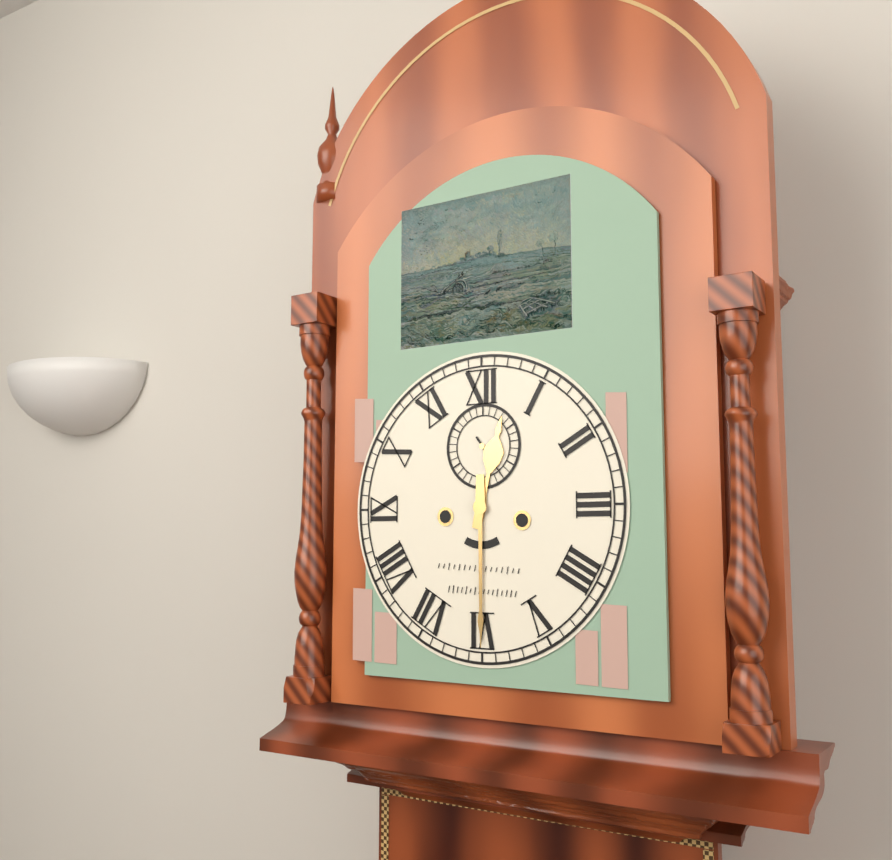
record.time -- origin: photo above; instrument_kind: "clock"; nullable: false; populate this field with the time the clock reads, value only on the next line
12:30
